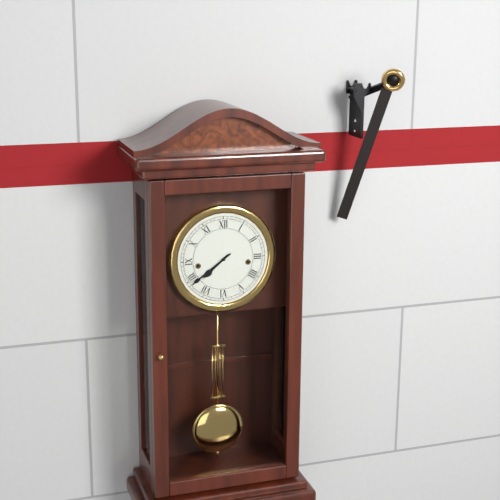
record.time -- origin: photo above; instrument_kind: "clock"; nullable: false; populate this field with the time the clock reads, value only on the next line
7:39
